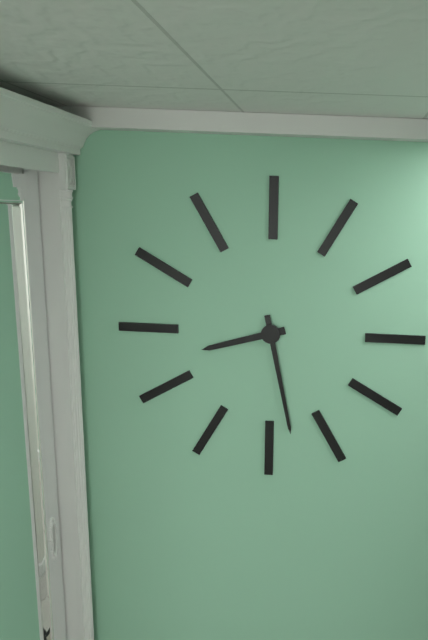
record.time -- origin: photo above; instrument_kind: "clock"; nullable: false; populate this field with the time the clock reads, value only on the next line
8:28
